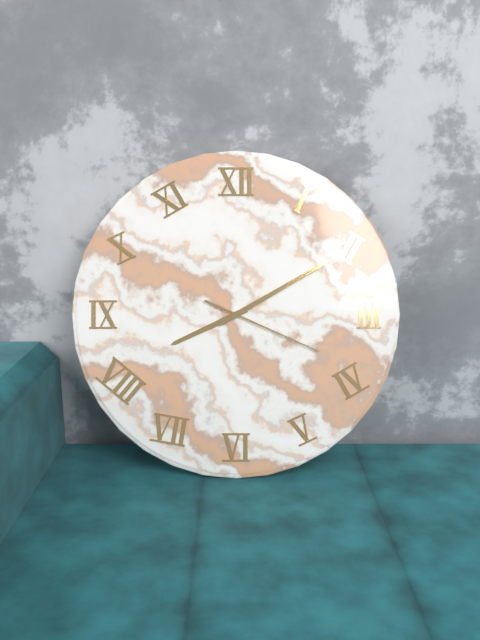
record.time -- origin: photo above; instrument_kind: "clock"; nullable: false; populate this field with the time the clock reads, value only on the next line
8:10:19
